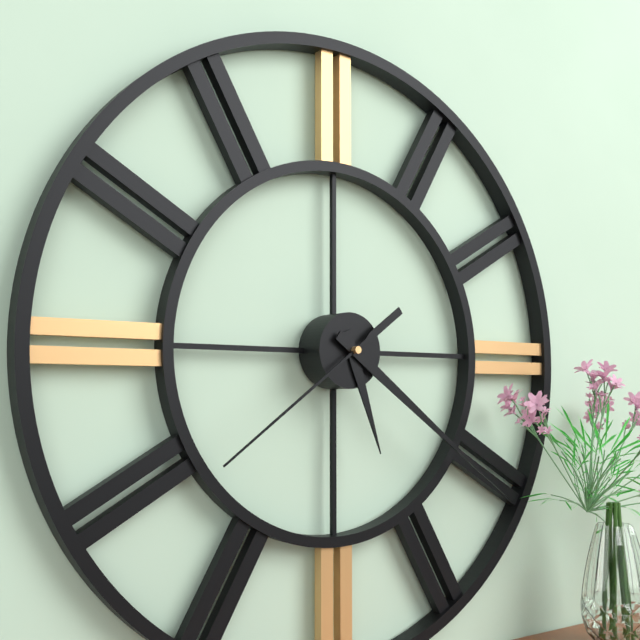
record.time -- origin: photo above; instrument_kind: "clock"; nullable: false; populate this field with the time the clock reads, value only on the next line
5:21:39
